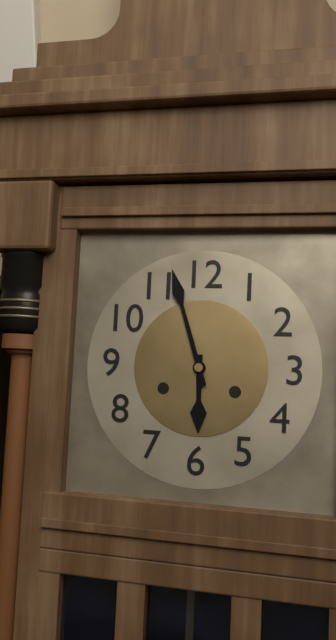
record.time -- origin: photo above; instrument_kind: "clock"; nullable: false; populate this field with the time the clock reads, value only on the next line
5:57
